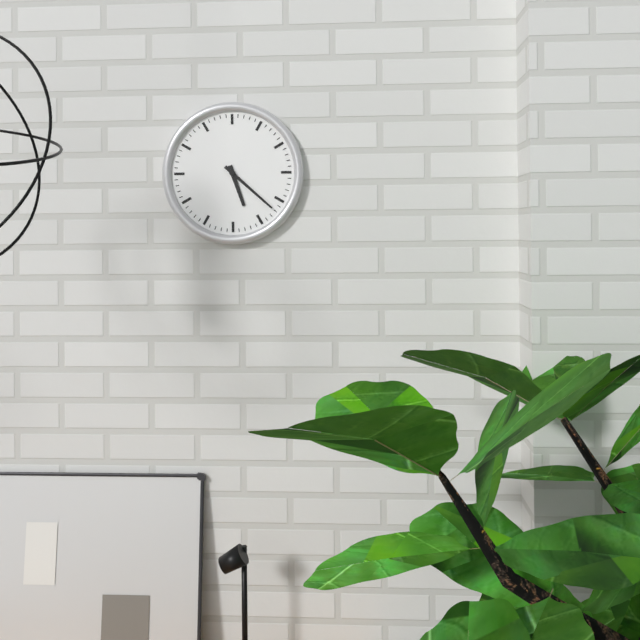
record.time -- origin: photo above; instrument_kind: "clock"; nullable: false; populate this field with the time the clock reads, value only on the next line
5:22
